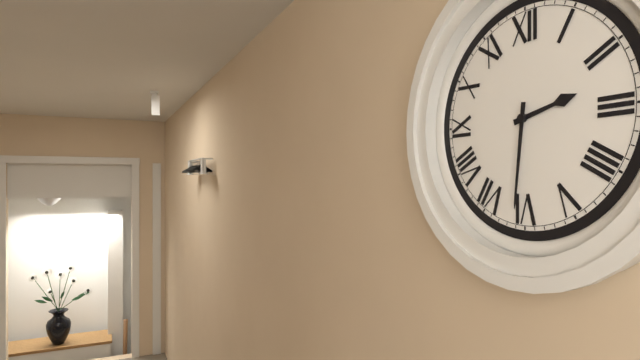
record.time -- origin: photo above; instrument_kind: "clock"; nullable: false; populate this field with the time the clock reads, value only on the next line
2:31
